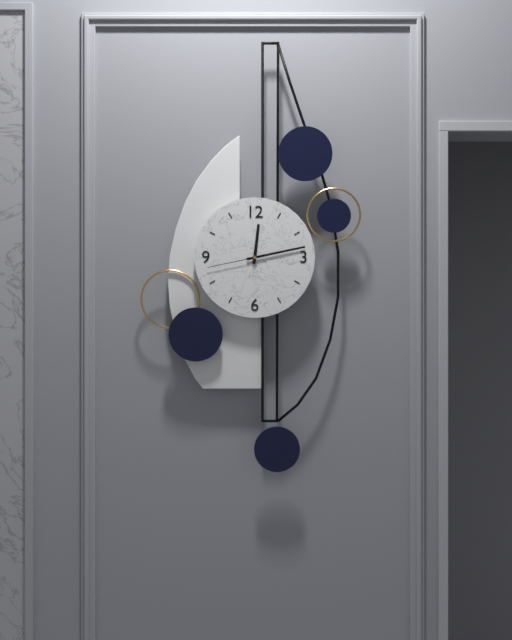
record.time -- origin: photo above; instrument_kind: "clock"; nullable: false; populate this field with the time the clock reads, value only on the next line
12:13:43
